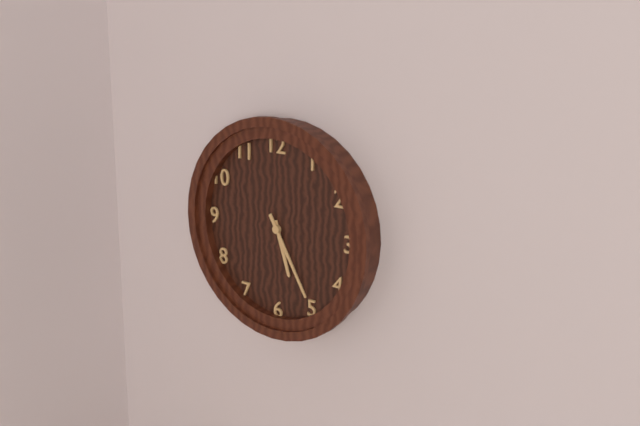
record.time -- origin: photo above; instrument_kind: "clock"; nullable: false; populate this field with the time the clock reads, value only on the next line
5:25
